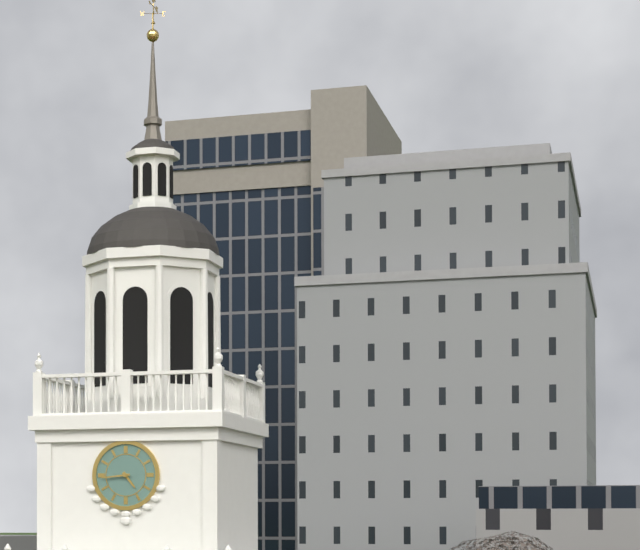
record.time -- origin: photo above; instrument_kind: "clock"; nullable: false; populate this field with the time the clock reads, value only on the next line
4:44
